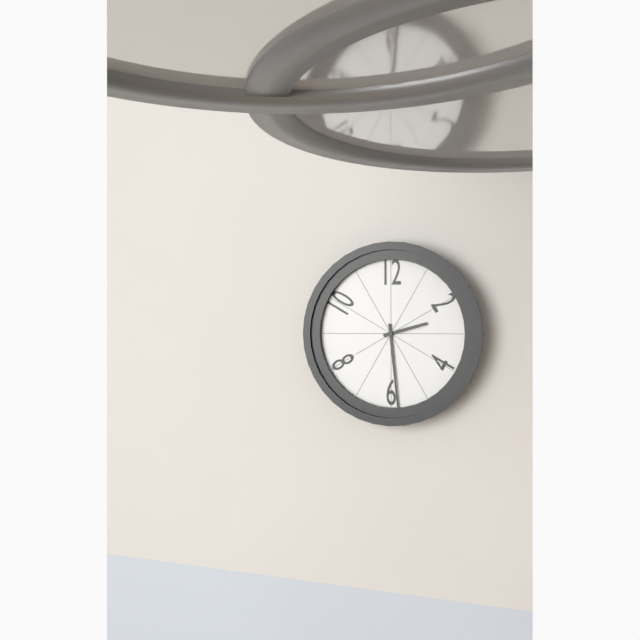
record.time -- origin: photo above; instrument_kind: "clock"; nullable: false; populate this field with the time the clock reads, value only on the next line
2:29
